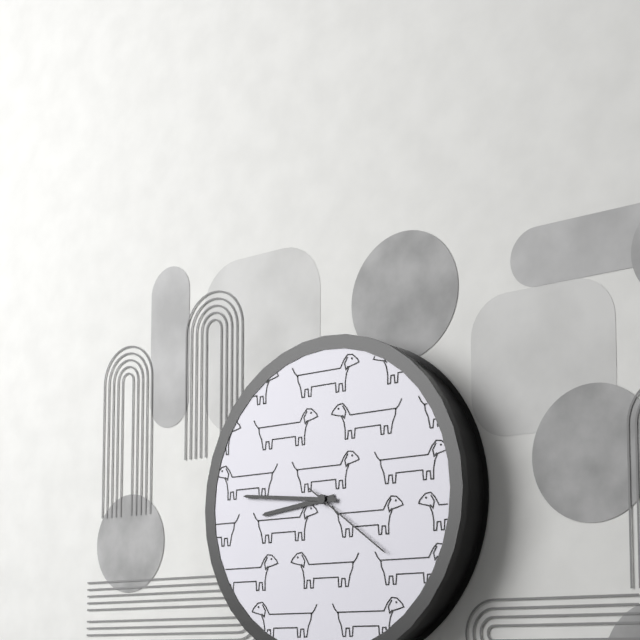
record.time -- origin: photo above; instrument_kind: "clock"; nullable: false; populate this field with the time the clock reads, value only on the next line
8:46:21
